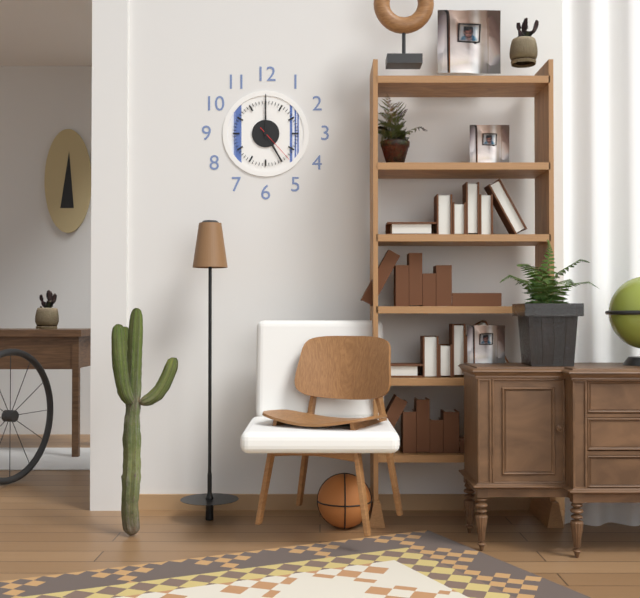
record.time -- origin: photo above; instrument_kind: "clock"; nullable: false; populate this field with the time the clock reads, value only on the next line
5:00
